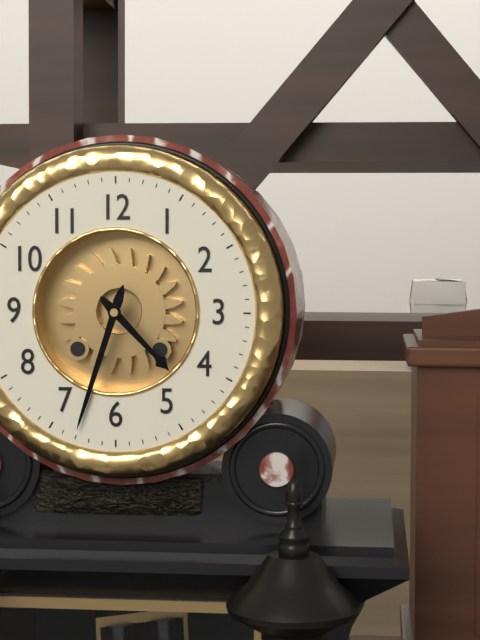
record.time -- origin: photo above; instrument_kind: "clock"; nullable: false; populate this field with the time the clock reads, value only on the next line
4:33
